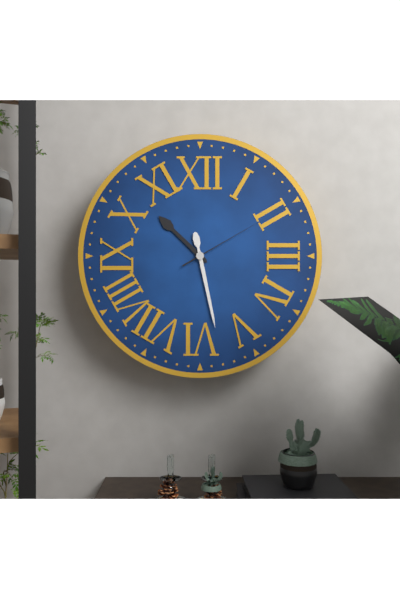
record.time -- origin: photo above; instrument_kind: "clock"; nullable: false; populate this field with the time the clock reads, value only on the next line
10:28:10
